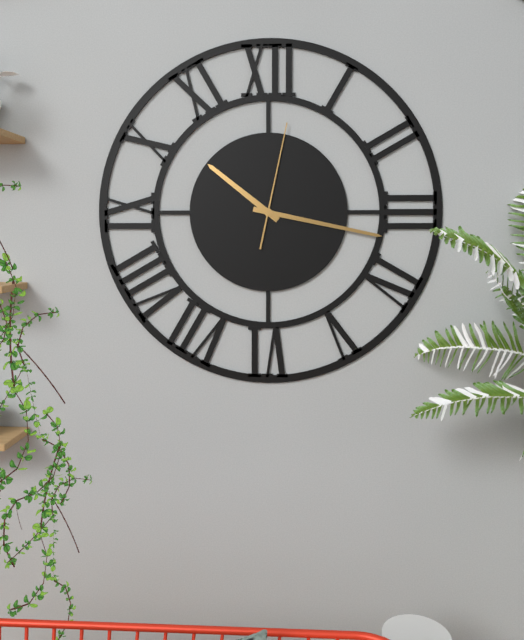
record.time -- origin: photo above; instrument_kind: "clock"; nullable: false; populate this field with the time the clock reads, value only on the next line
10:17:02
